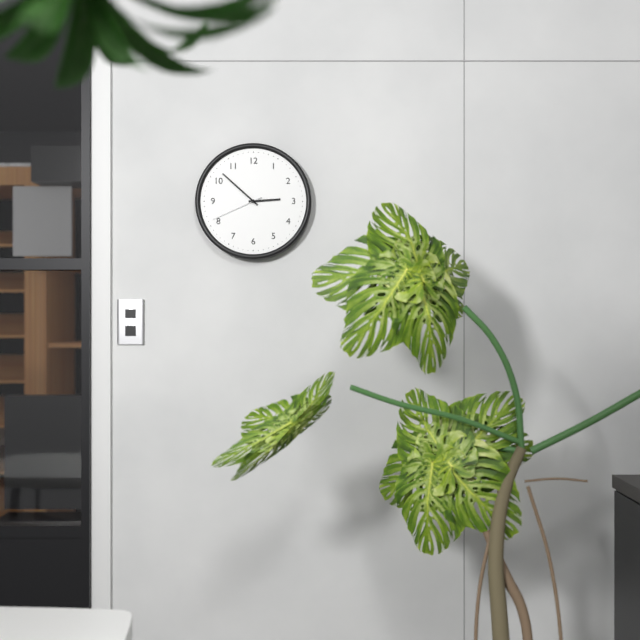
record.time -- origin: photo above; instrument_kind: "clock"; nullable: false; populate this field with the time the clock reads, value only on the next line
2:52:41
